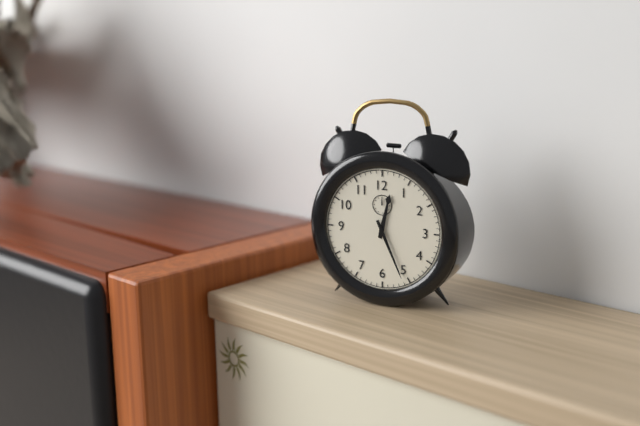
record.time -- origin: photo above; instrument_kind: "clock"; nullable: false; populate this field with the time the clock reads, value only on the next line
12:26
